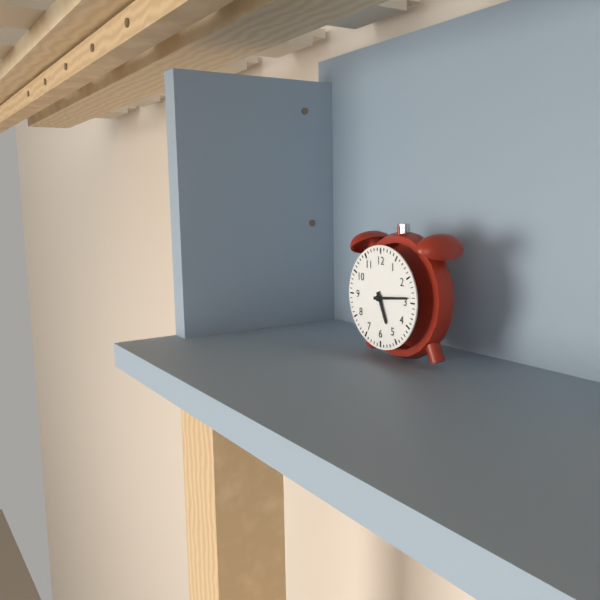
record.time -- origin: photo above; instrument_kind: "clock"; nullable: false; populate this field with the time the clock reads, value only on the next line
5:14
